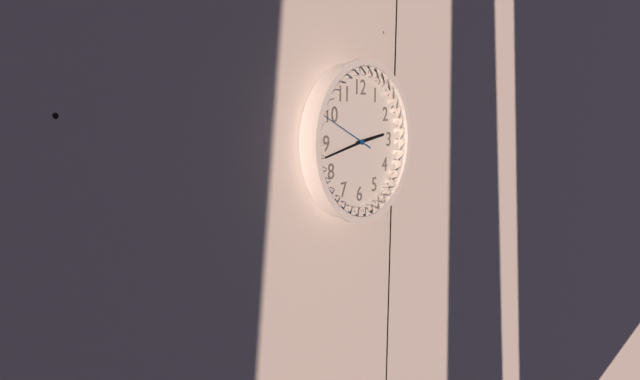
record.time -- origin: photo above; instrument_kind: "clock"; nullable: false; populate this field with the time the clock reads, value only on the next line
2:43:49
